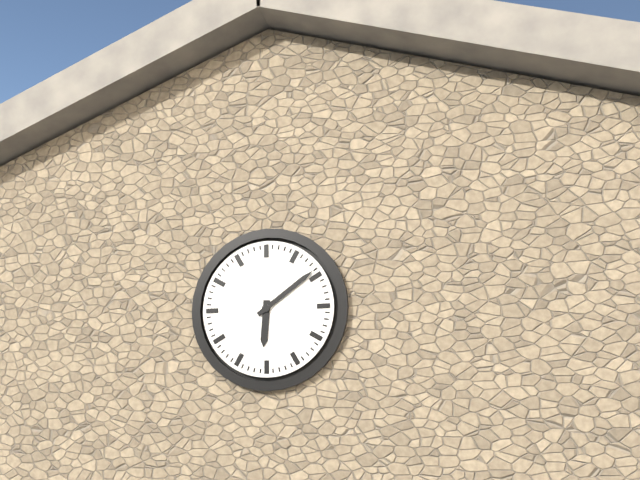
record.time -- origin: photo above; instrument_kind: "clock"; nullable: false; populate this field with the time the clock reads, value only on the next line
6:09
